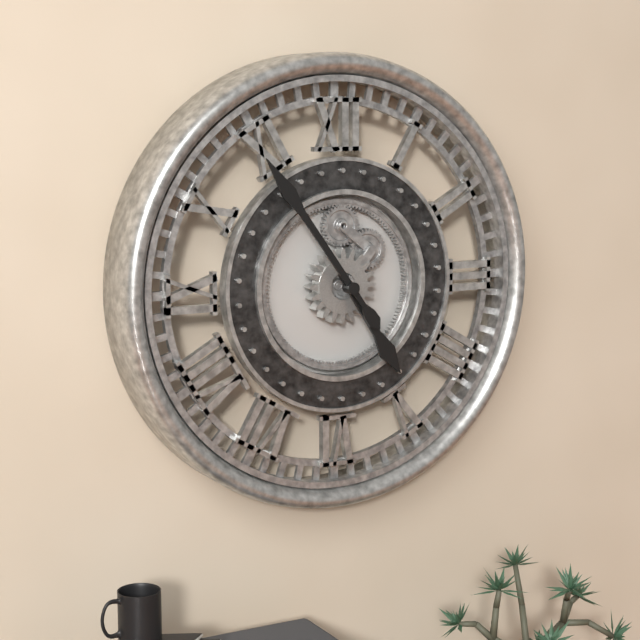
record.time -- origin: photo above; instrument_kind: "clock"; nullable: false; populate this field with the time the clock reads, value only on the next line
4:54
